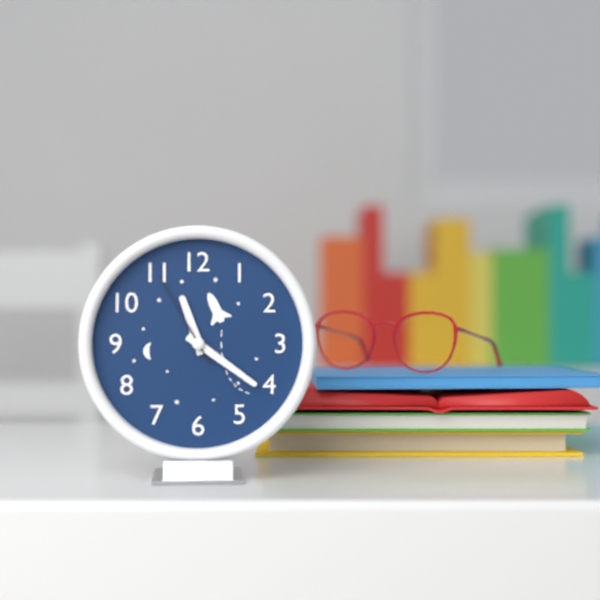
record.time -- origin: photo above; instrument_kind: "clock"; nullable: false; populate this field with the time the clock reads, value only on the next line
11:21:55
